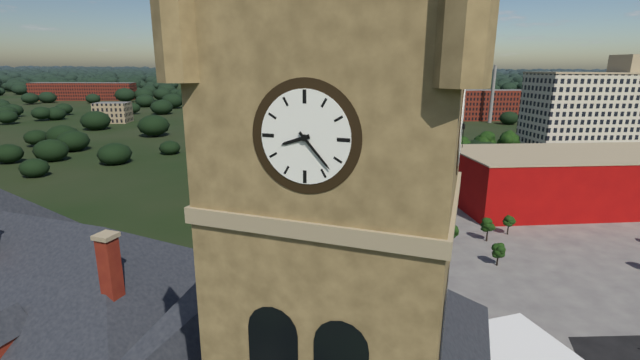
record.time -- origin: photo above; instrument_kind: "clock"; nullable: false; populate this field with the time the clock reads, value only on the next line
8:23
